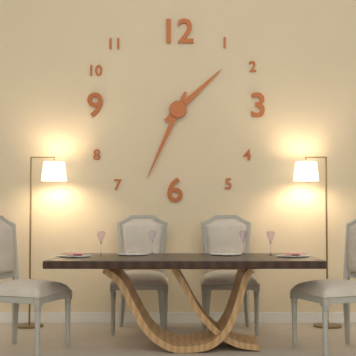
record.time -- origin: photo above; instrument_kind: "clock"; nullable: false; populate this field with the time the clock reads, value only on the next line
1:34
